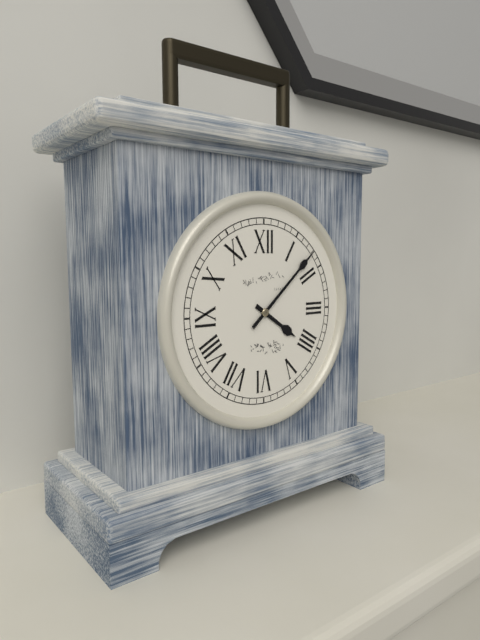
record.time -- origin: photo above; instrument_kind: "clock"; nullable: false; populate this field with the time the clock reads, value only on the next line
4:08
